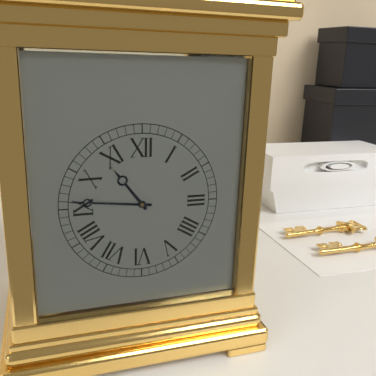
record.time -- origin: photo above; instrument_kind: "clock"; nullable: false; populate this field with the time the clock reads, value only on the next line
10:46
